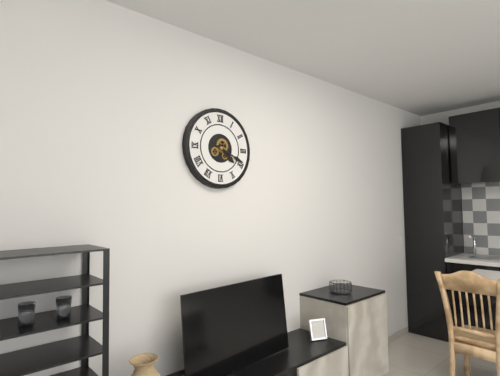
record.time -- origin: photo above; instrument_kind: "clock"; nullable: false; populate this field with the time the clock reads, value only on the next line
4:19
